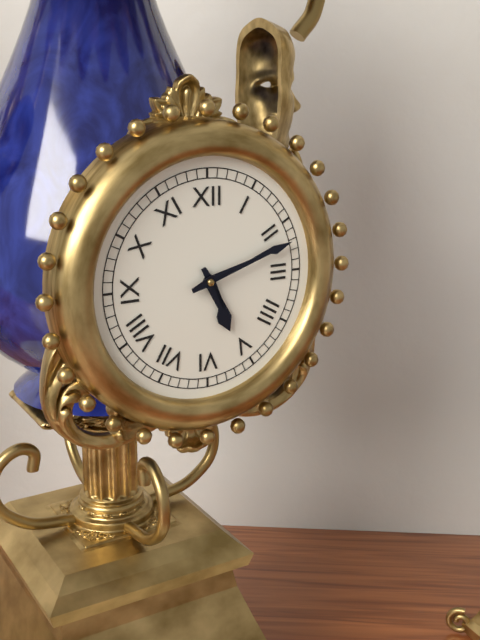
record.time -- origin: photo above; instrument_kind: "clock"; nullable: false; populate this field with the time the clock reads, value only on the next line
5:12
